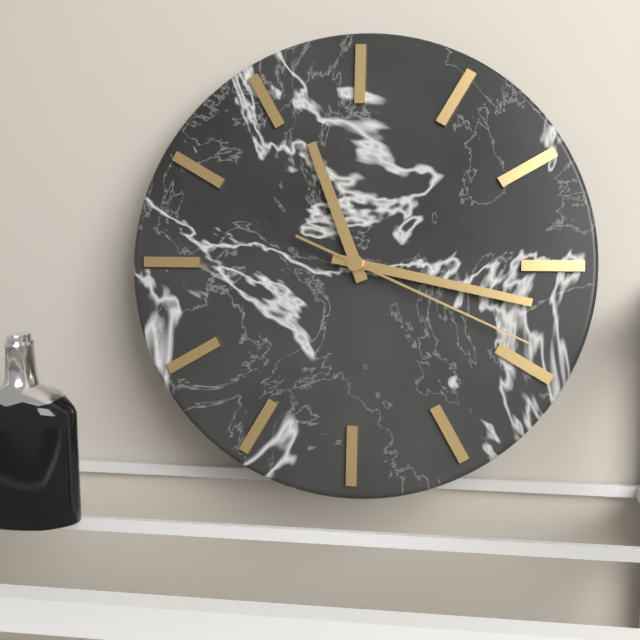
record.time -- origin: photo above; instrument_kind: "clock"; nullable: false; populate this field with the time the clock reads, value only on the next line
11:17:19
